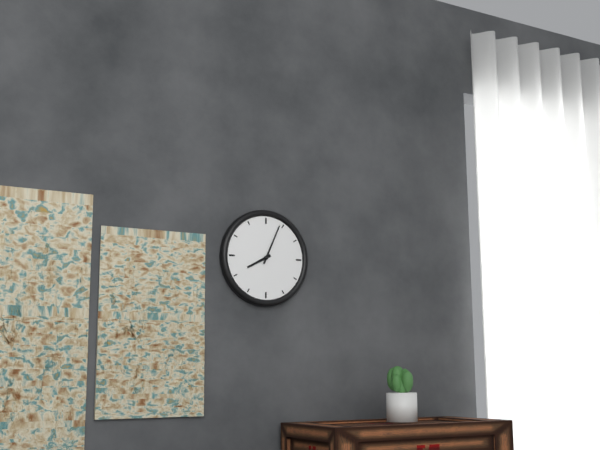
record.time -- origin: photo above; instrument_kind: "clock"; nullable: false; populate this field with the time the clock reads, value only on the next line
8:04
